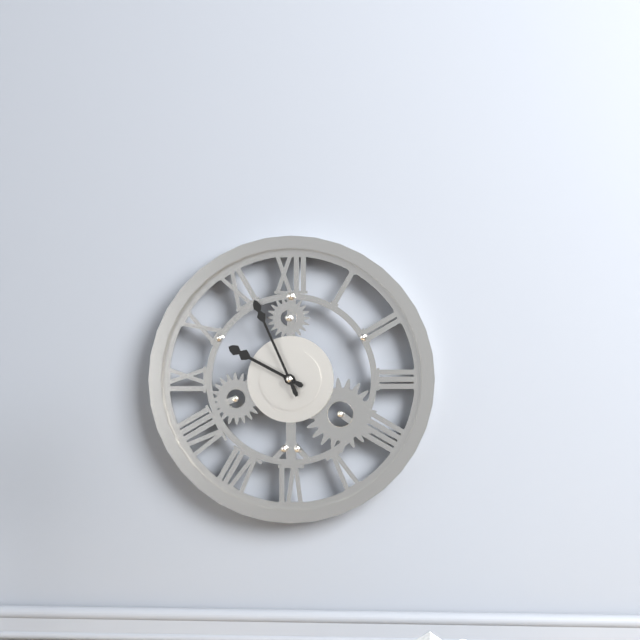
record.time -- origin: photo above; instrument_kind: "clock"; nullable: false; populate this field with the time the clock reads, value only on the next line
9:56
